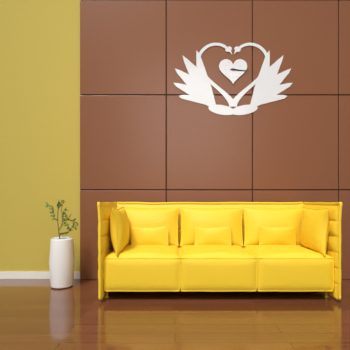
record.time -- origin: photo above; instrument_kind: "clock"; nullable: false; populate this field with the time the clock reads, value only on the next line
3:16
